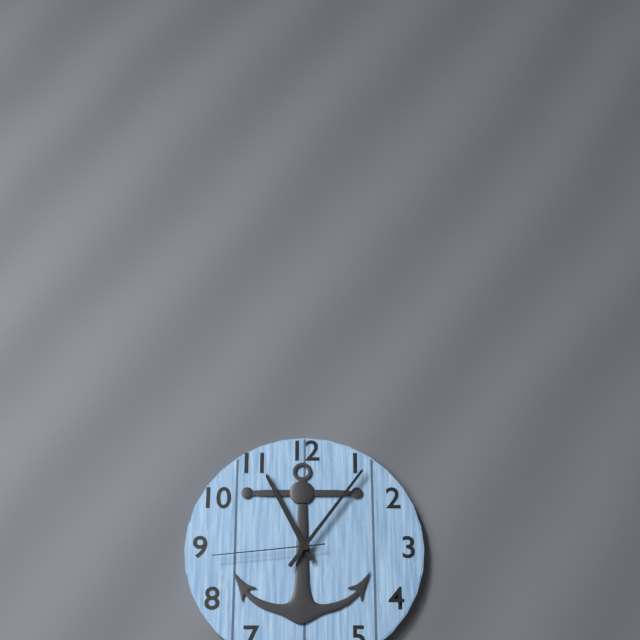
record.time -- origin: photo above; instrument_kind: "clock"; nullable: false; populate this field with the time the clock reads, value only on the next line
11:06:44
